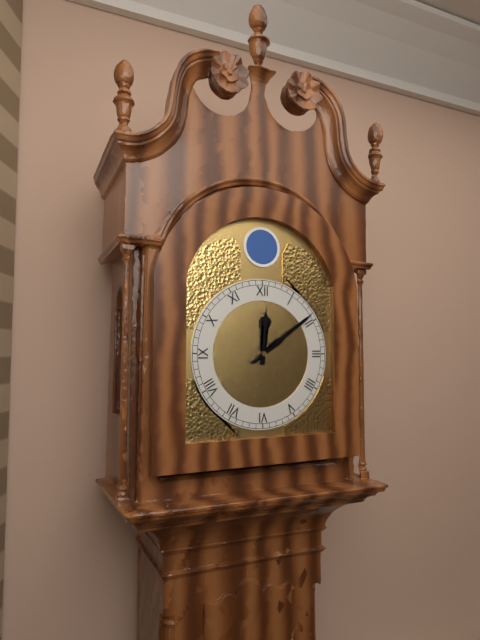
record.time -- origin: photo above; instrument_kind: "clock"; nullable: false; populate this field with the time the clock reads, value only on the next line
12:09
